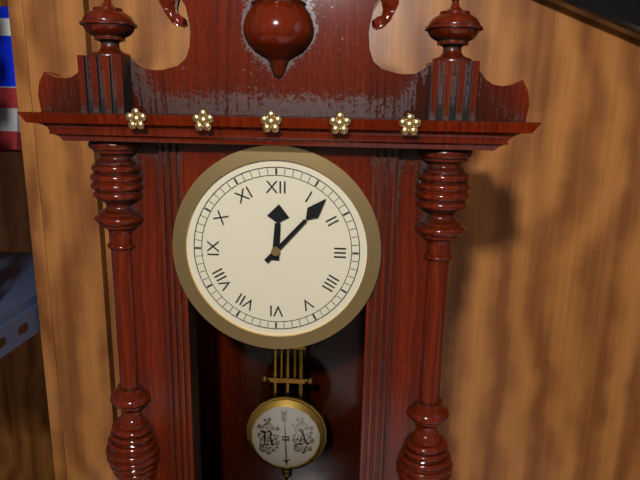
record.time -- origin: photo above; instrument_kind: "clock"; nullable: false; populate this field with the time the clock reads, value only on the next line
12:07
